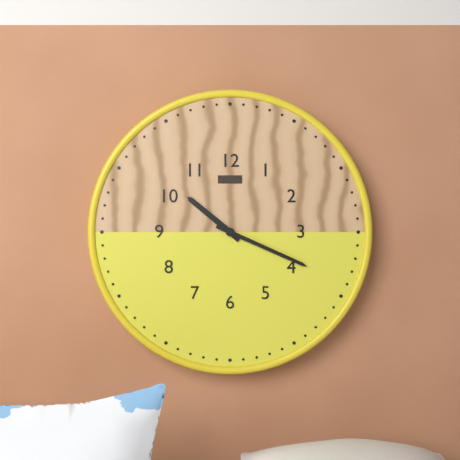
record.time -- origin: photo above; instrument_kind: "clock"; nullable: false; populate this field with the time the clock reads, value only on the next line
10:19
